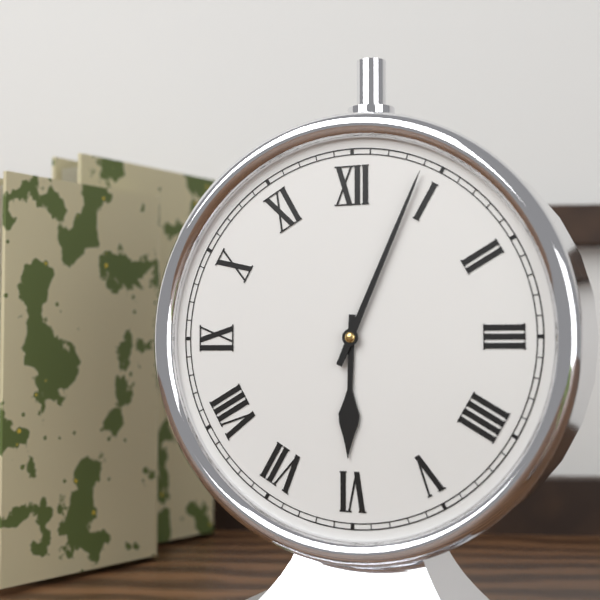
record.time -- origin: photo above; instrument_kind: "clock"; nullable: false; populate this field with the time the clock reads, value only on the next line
6:04
